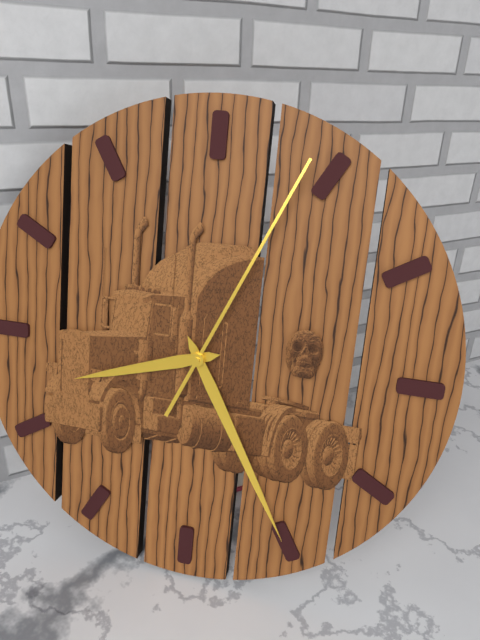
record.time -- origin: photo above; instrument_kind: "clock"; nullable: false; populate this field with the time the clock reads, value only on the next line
8:25:04
